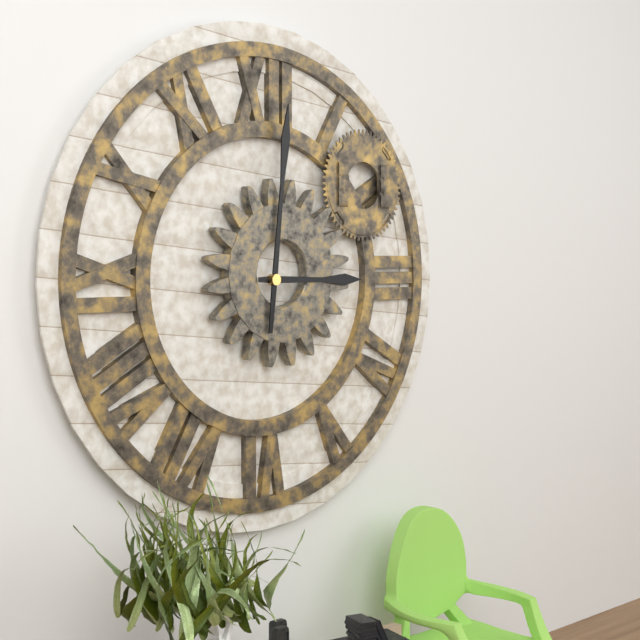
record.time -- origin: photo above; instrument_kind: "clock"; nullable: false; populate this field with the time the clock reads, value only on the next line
3:01
